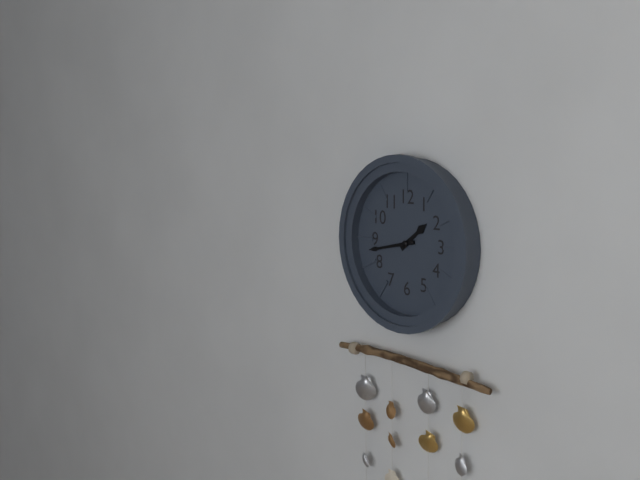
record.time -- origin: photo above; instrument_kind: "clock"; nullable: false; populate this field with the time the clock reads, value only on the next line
1:43
